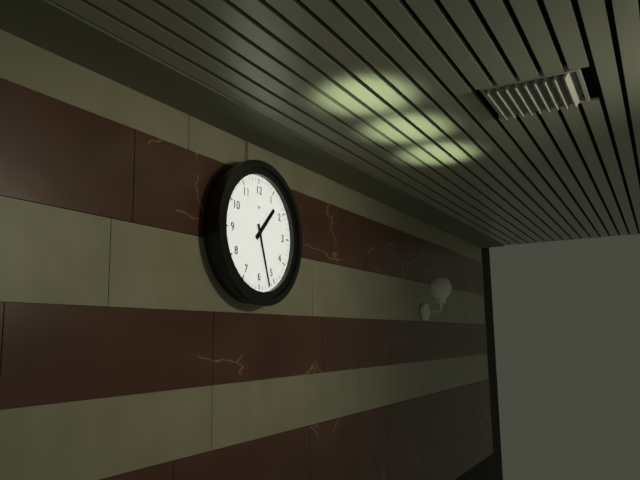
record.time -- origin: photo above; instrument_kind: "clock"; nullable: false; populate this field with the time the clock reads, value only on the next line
1:27
